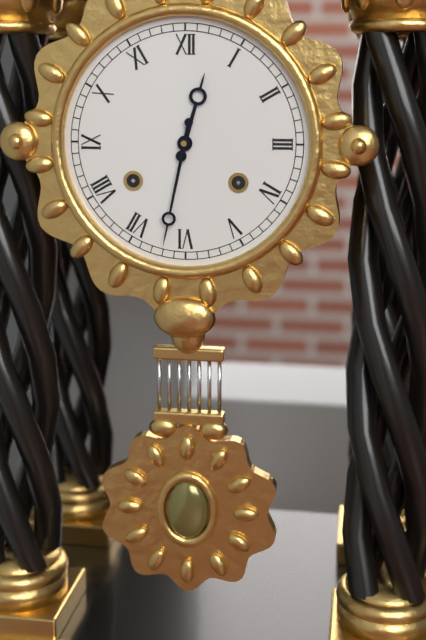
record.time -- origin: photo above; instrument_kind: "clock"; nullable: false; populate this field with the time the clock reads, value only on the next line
12:32
